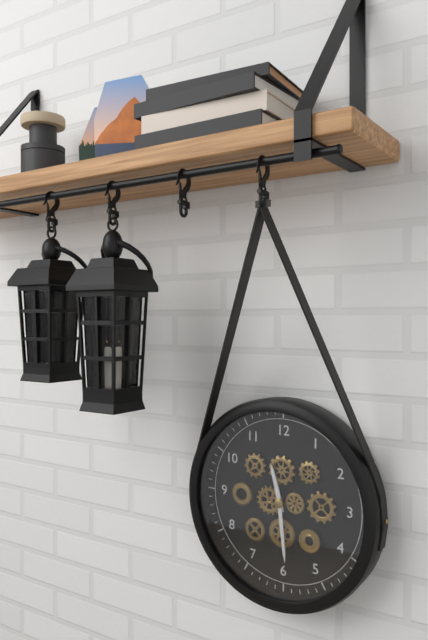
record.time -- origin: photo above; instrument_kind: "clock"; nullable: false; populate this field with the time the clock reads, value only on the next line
11:29
